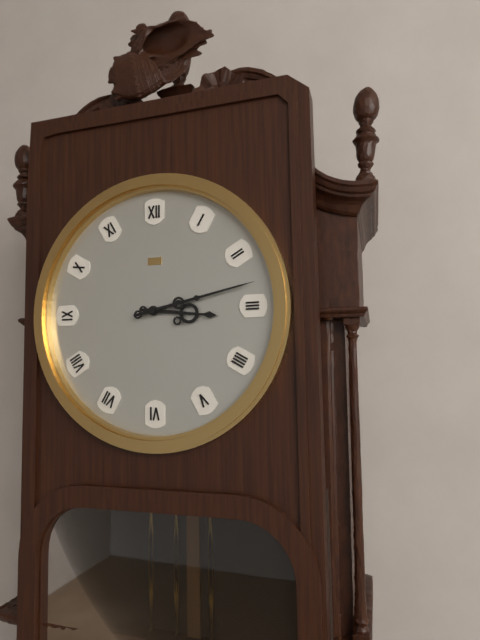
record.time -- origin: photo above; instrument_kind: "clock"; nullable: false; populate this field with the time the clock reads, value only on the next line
3:13
